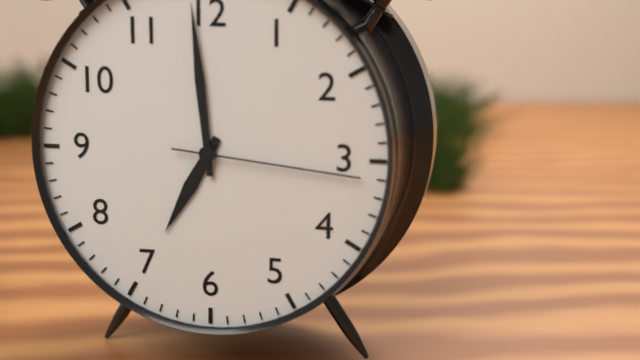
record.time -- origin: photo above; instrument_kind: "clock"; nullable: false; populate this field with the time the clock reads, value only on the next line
6:59:16
